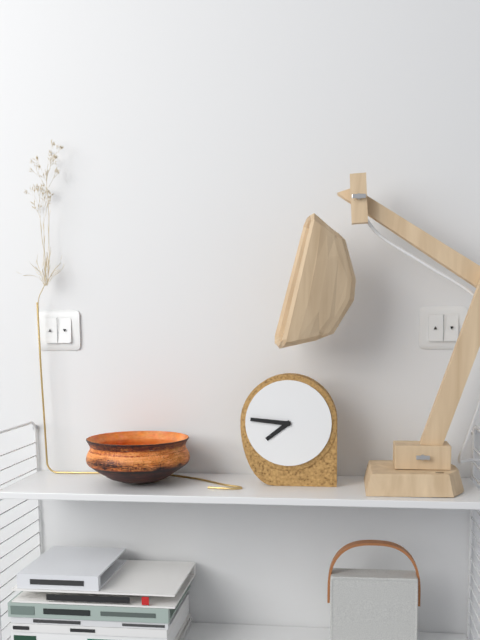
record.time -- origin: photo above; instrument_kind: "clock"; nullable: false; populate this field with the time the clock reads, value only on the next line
7:46
